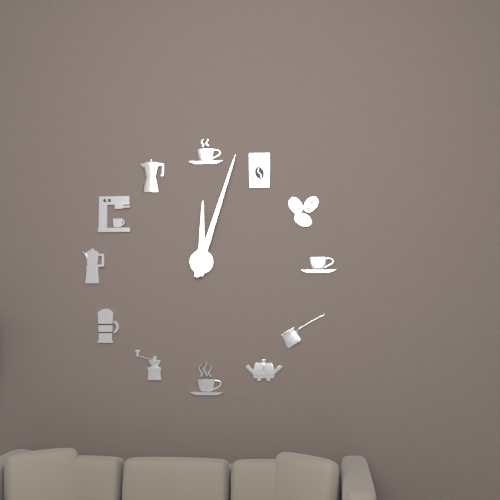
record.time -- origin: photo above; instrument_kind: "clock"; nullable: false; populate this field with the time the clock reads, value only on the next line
12:03
